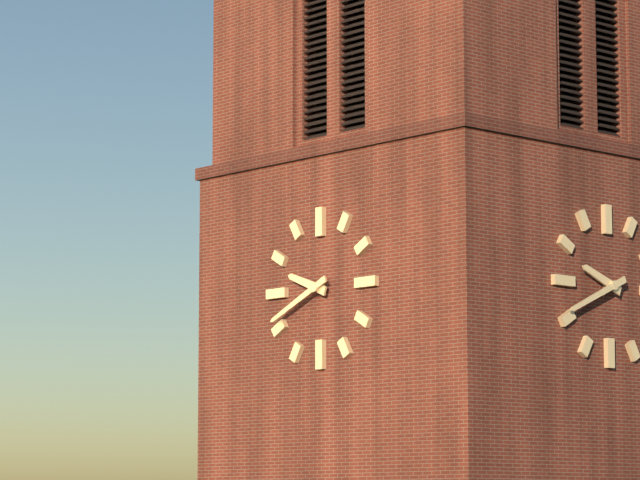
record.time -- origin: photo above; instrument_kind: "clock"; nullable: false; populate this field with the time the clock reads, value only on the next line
9:41
